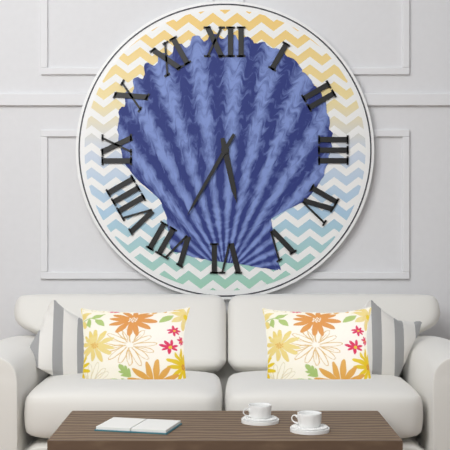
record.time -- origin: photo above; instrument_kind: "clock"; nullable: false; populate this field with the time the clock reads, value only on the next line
5:35
